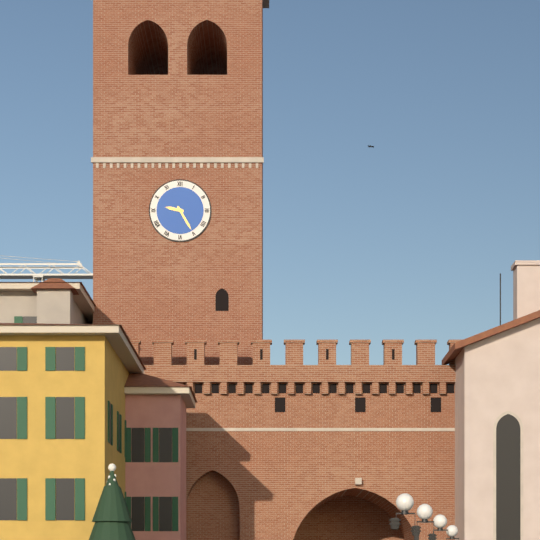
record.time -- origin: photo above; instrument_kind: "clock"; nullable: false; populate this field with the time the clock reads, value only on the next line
9:25
